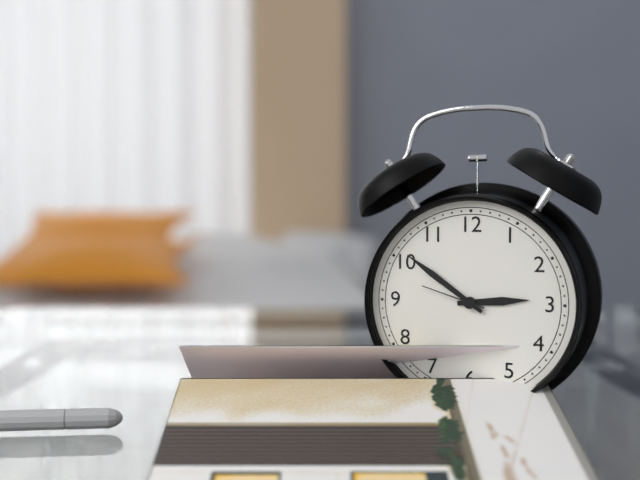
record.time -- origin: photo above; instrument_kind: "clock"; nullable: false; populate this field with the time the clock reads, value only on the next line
2:51:48
